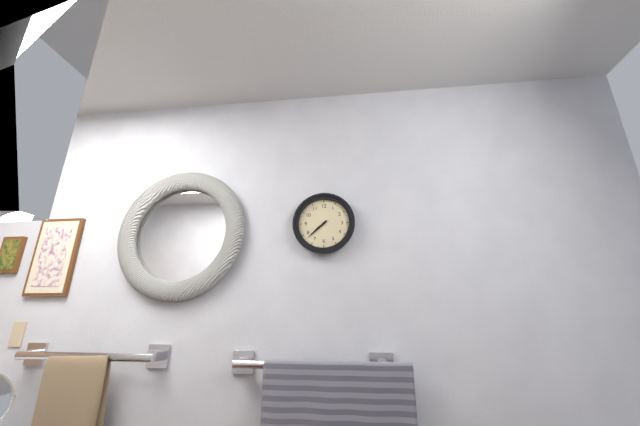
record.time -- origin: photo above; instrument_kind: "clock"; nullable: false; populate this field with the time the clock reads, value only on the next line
7:38
